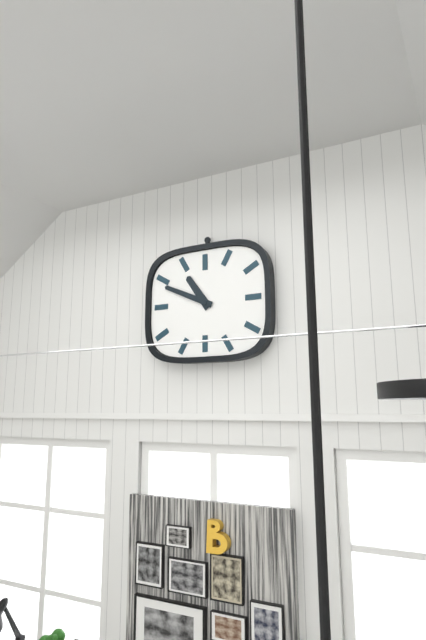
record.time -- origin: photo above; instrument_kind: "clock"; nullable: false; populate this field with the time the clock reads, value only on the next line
10:49
